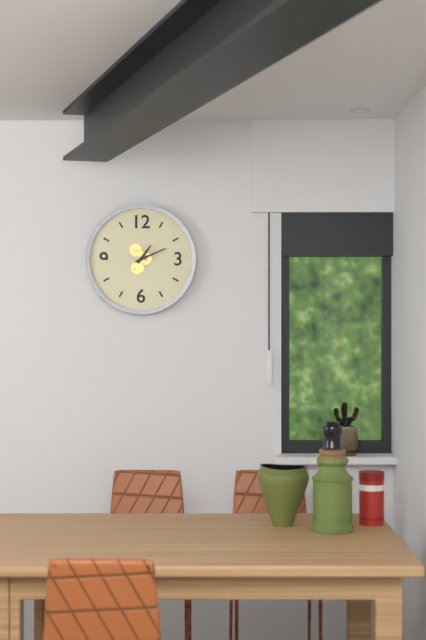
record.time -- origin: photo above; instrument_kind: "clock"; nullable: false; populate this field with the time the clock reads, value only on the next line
1:11
